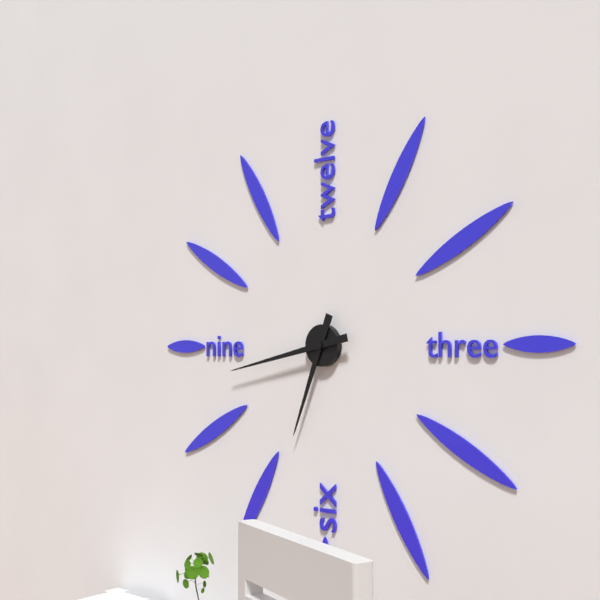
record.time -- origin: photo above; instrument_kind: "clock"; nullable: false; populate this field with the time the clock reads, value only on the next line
6:43
